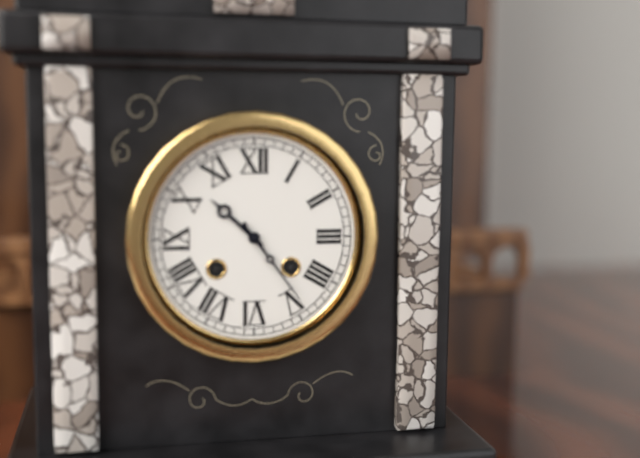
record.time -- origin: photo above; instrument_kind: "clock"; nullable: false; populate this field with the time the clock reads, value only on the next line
10:24
